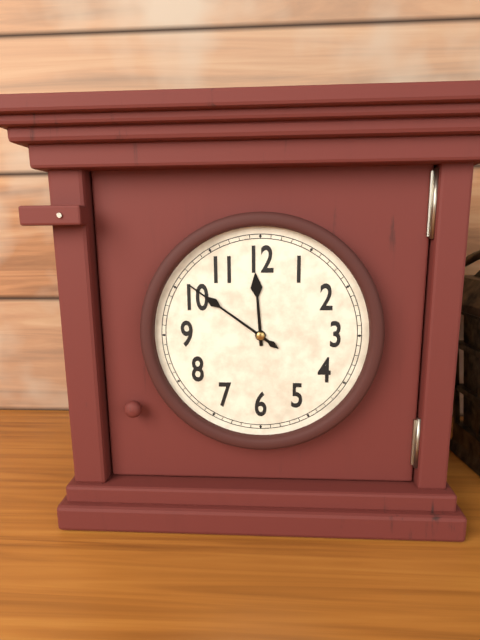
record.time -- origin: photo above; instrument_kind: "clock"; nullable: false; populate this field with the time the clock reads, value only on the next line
11:51
